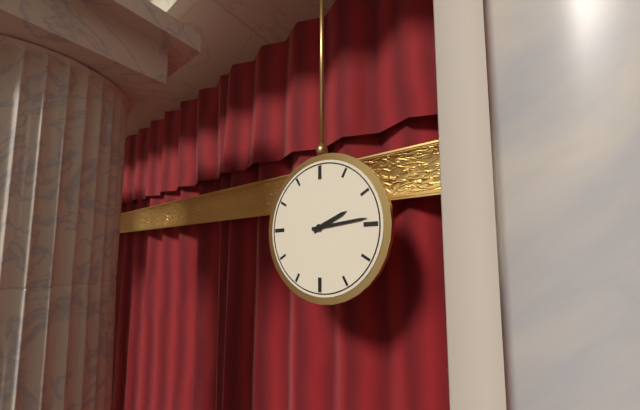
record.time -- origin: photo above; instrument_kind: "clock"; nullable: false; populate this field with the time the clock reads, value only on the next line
2:14
